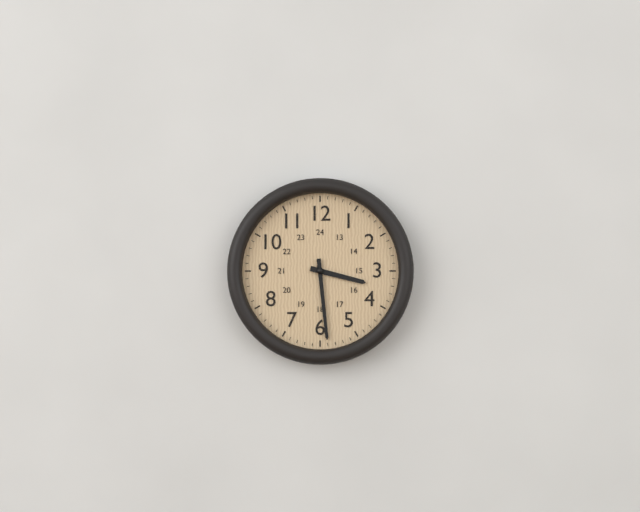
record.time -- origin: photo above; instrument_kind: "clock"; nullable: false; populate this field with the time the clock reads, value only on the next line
3:29
